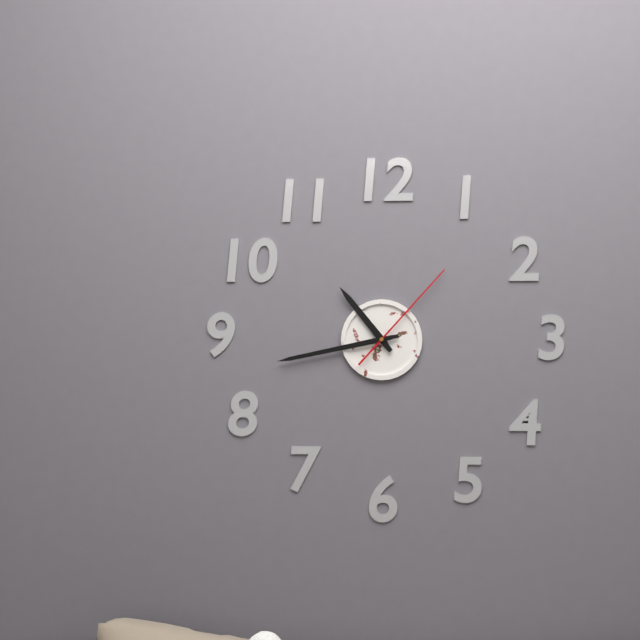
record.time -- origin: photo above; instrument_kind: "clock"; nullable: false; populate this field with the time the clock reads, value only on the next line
10:43:07
